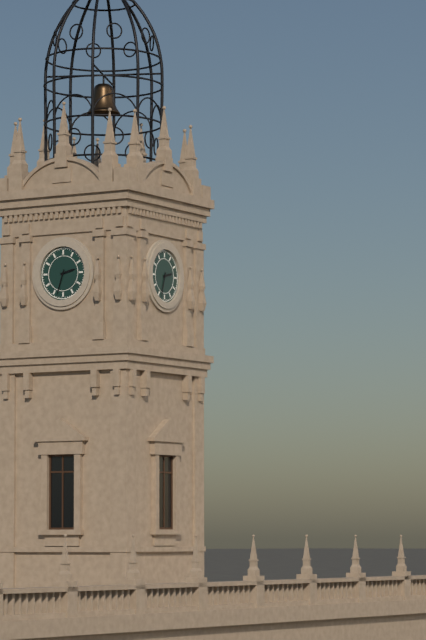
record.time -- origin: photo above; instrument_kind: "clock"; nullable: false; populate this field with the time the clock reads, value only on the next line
2:33
